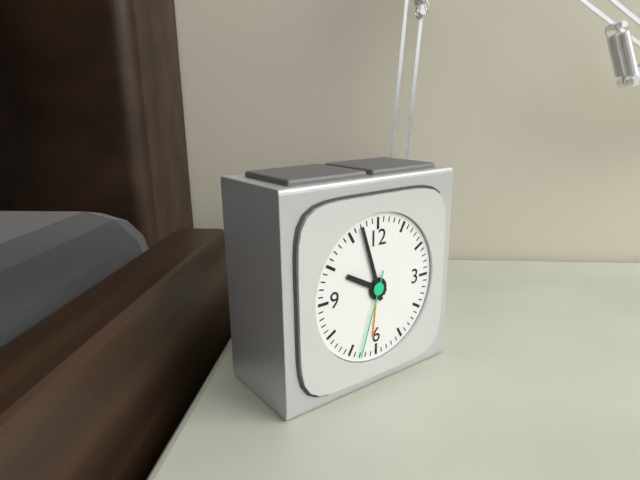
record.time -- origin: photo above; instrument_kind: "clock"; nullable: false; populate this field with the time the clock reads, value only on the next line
9:57:33
